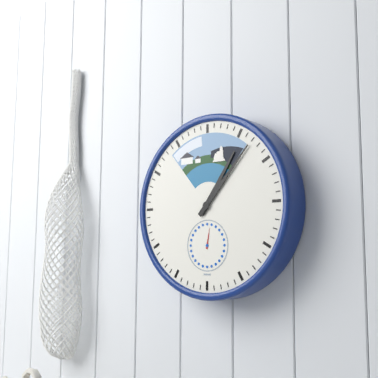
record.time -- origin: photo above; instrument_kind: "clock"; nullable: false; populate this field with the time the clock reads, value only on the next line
1:07
